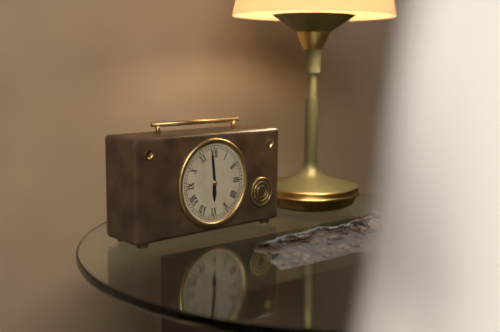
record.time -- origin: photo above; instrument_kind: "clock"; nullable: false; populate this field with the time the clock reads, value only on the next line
5:59
